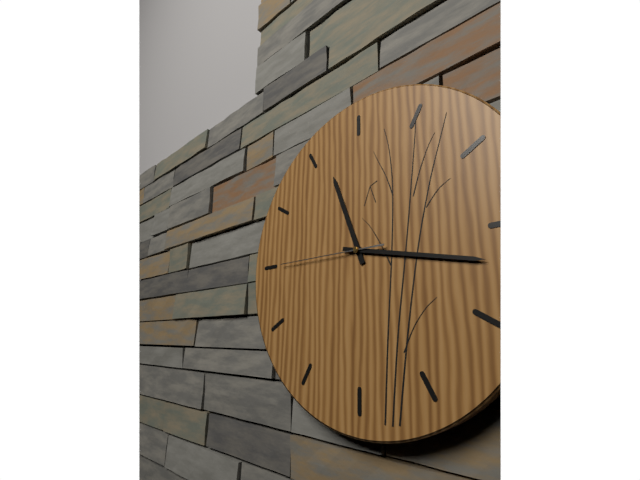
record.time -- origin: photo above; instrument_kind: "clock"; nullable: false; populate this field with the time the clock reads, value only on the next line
11:17:45
